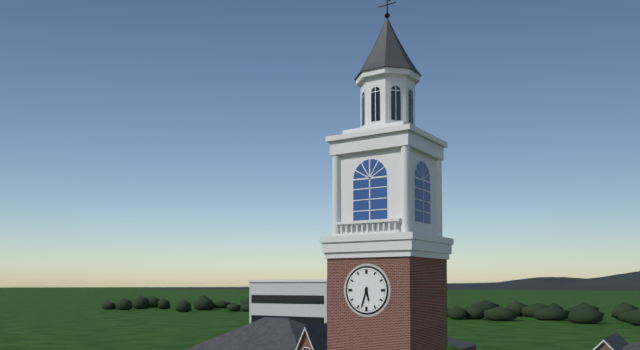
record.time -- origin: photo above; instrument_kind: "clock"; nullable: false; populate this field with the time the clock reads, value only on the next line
5:33
